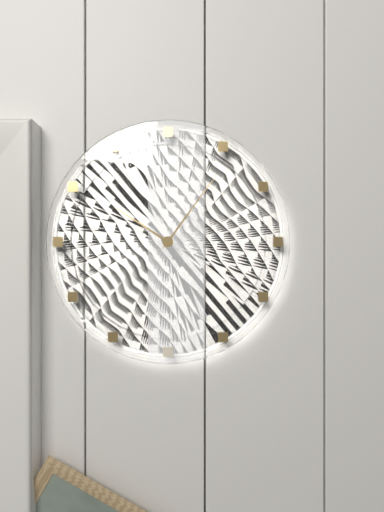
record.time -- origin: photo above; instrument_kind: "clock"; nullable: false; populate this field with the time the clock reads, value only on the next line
10:06
